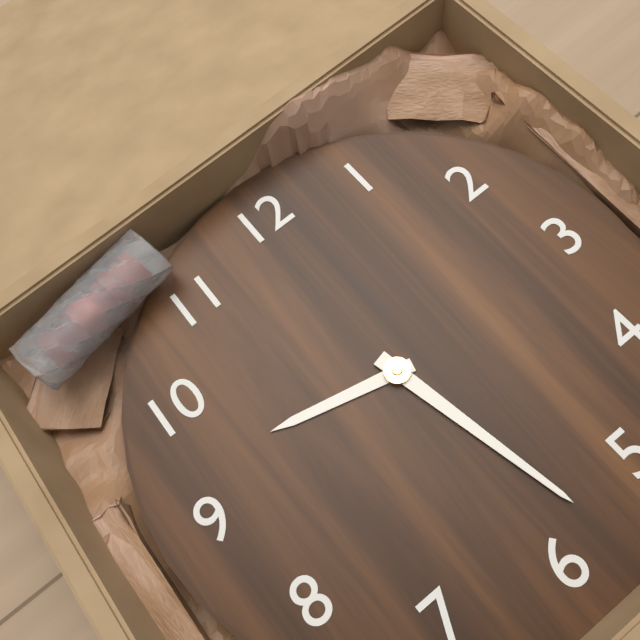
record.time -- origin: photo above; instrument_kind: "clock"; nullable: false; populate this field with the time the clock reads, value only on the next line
9:28
